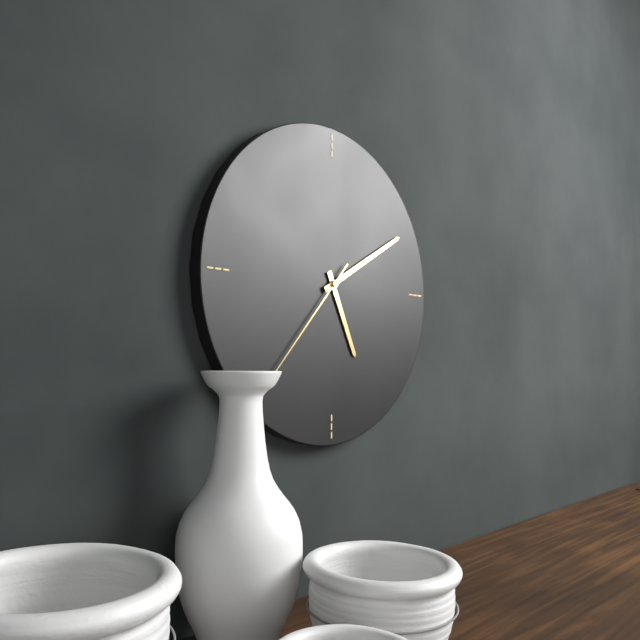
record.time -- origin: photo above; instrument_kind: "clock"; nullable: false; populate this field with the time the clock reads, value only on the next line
5:10:37
